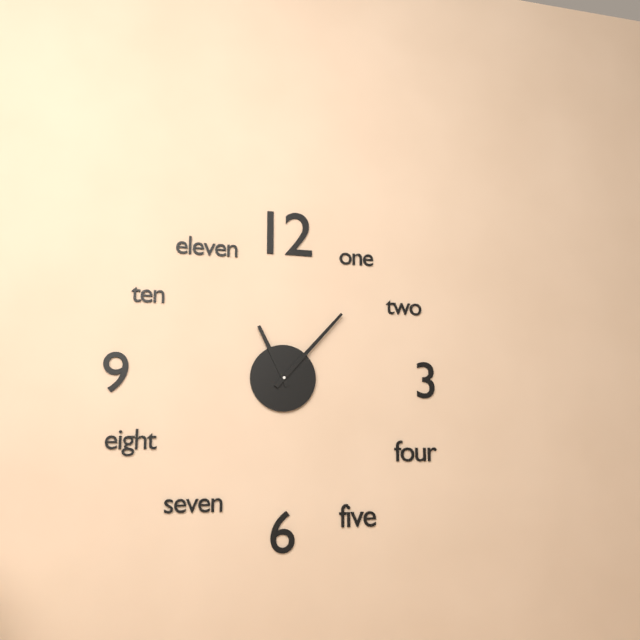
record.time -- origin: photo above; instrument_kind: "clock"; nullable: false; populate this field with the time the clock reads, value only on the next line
11:07
